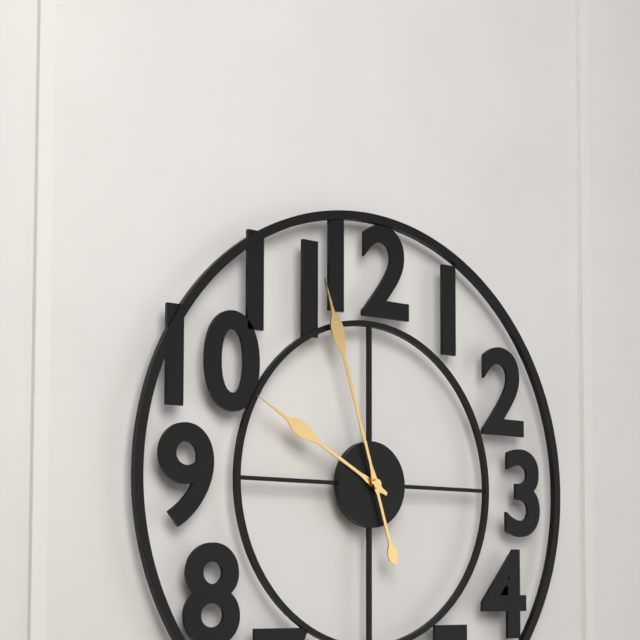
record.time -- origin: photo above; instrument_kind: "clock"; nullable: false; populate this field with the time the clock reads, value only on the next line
9:57
